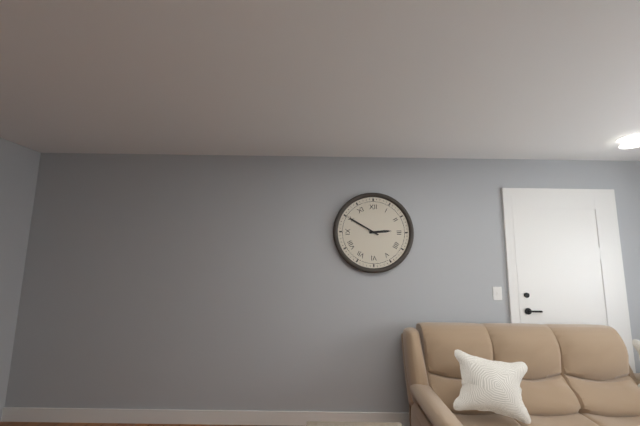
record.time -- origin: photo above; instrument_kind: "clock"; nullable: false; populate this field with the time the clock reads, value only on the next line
2:50
